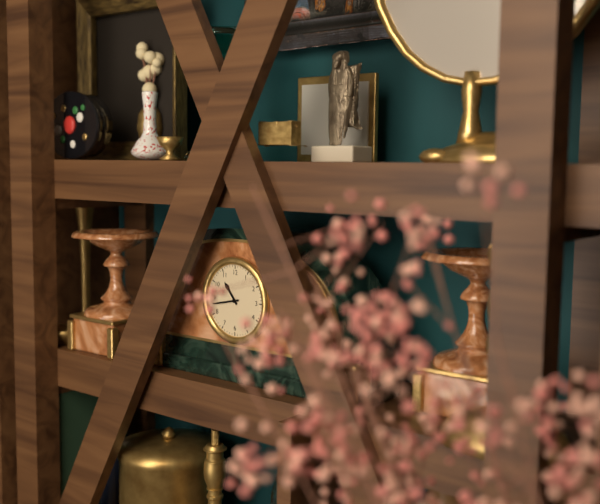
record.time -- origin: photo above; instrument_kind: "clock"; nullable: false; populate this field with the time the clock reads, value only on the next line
10:43
